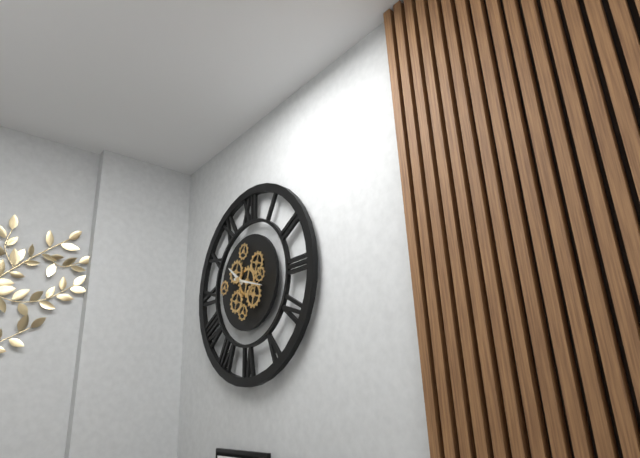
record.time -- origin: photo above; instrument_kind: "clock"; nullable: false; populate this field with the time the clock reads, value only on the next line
10:18
